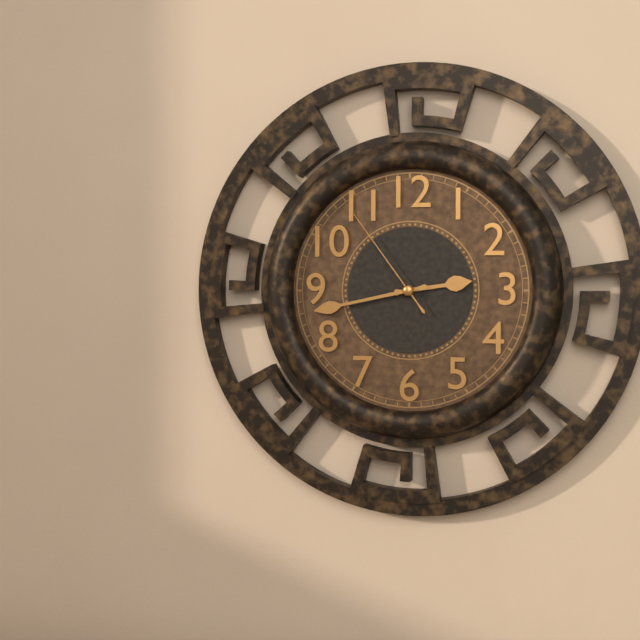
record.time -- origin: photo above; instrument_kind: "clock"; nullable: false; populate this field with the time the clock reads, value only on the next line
2:43:54
